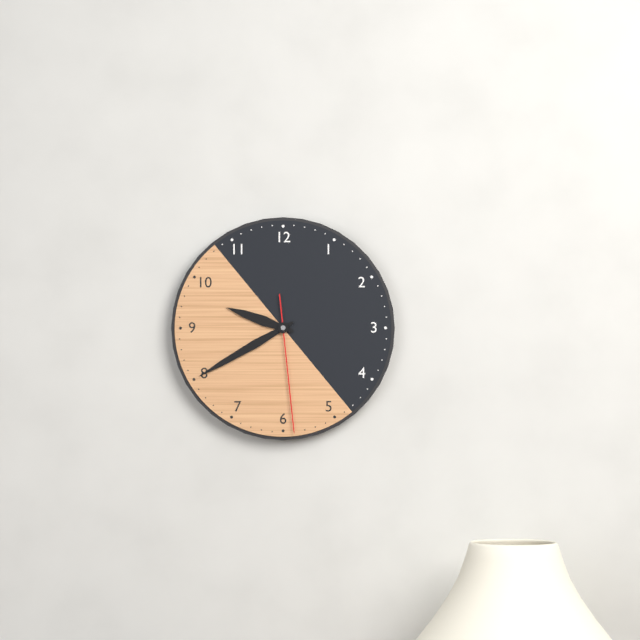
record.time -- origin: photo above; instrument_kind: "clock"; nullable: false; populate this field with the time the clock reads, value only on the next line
9:40:29
